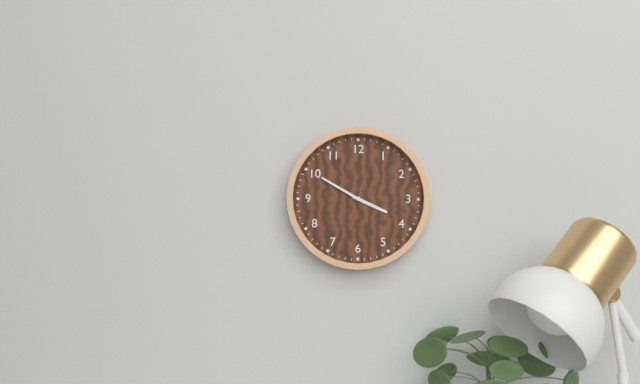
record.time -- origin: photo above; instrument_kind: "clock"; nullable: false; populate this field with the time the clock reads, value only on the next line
3:50
